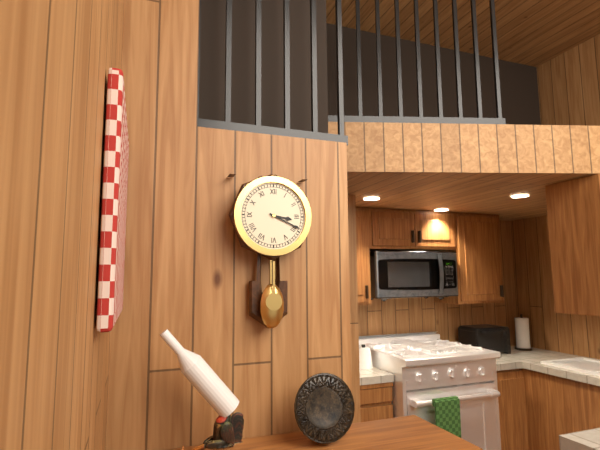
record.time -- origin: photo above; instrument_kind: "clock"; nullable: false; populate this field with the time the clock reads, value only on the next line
3:19
